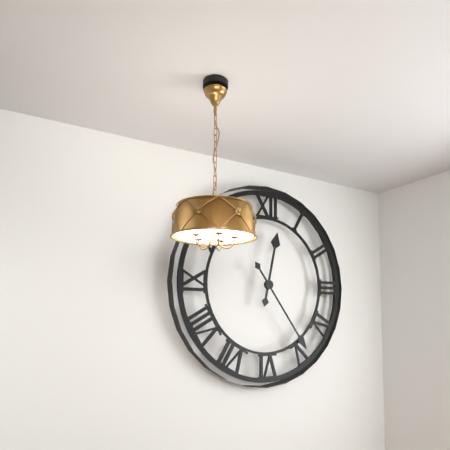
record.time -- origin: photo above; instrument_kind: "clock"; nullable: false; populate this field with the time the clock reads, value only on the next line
12:24
